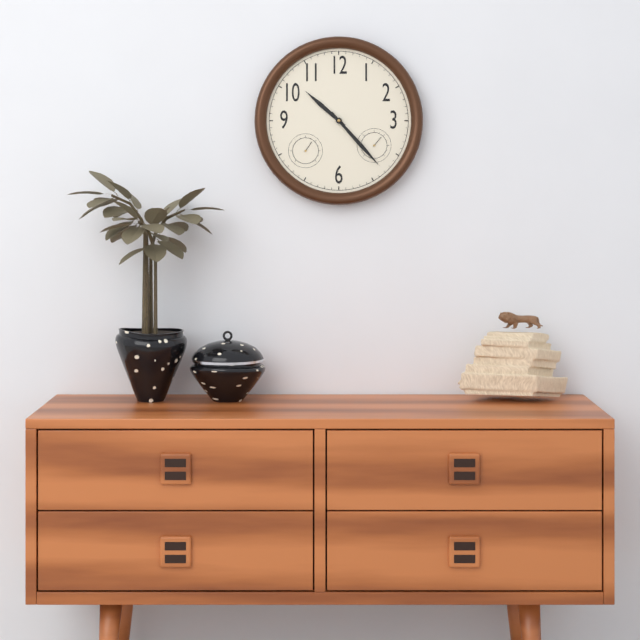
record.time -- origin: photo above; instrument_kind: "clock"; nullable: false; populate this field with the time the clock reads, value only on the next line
10:23
